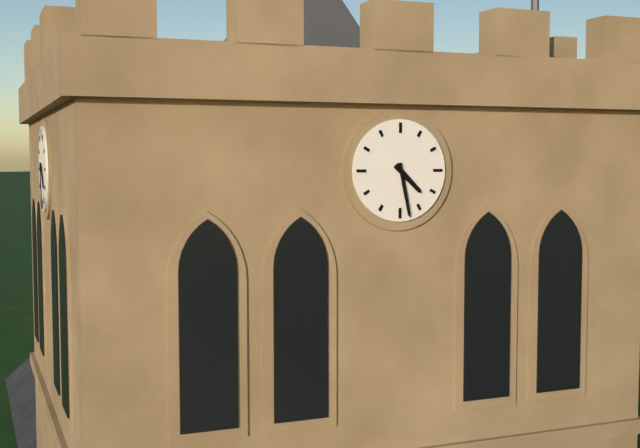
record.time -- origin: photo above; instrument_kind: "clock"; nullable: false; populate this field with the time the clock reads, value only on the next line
4:28
